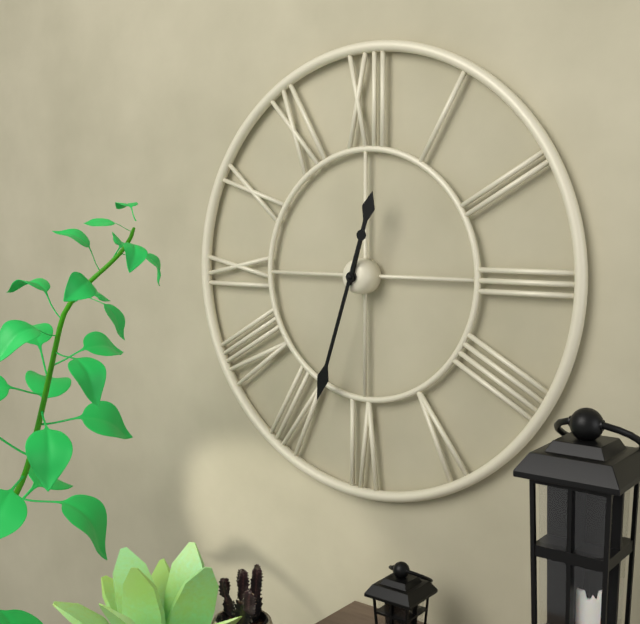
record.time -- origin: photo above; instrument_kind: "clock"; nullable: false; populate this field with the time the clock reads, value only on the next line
12:33
